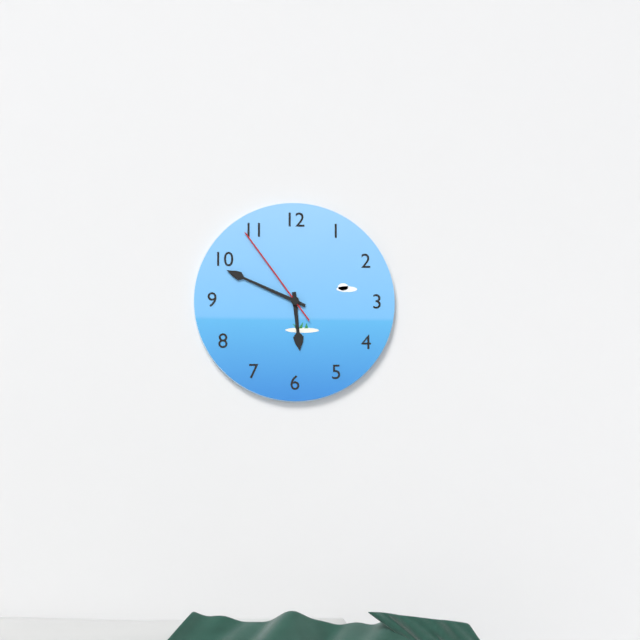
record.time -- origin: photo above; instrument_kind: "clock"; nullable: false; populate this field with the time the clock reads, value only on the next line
5:49:54
